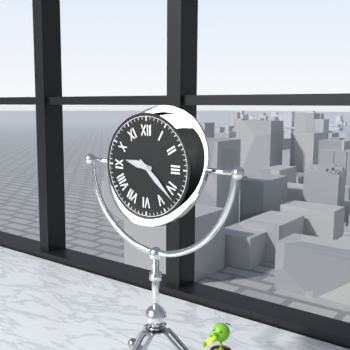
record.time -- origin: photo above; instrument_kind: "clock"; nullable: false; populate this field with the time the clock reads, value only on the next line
9:22
